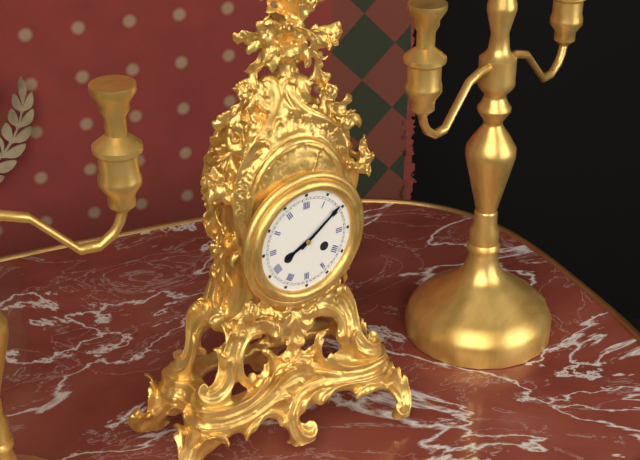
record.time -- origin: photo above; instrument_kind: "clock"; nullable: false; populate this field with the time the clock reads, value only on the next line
8:09
